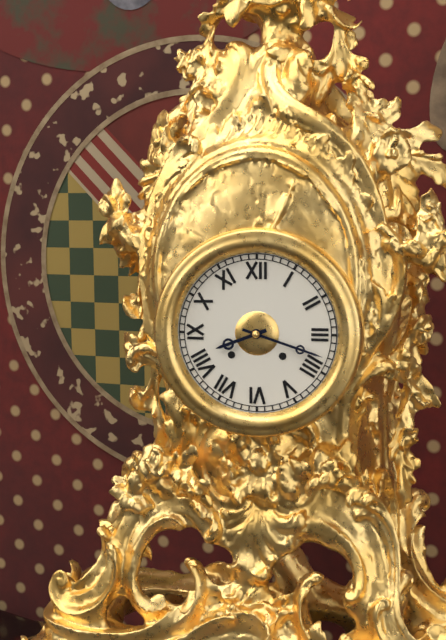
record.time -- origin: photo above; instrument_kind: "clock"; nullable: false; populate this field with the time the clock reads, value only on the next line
8:18
